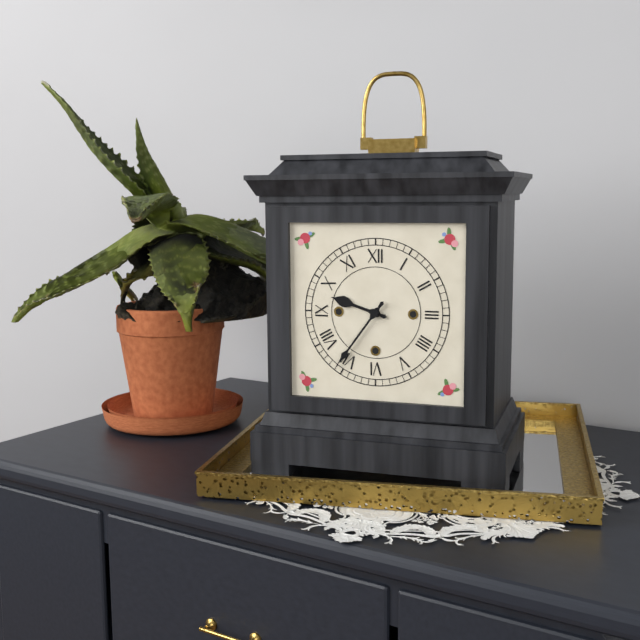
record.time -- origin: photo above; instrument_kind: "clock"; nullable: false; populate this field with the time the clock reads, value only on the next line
9:36
